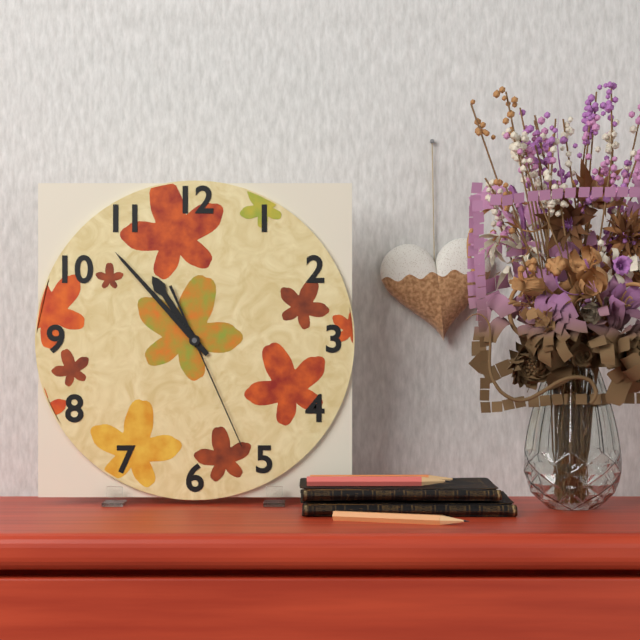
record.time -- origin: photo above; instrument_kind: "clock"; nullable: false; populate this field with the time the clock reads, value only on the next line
10:53:26
